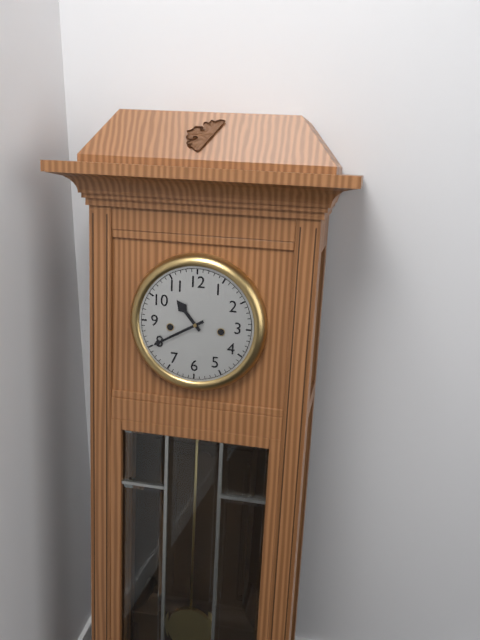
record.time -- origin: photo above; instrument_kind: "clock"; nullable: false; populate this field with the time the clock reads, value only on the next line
10:40
